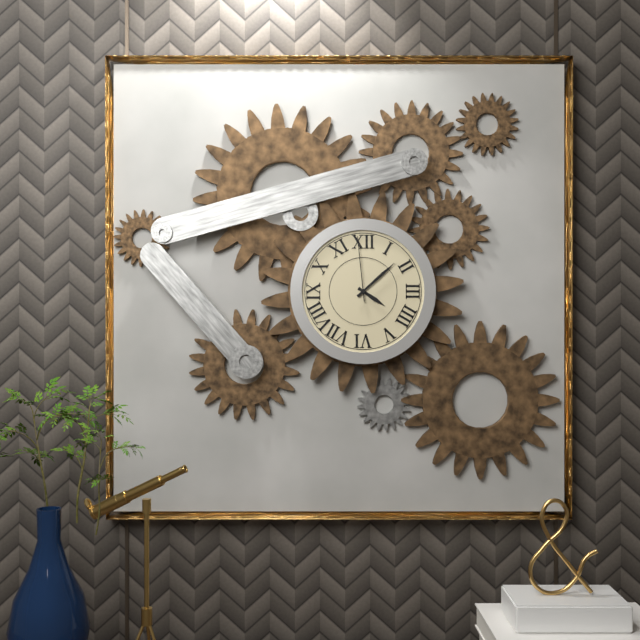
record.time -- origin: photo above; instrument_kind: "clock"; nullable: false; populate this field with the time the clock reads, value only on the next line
4:08:59
